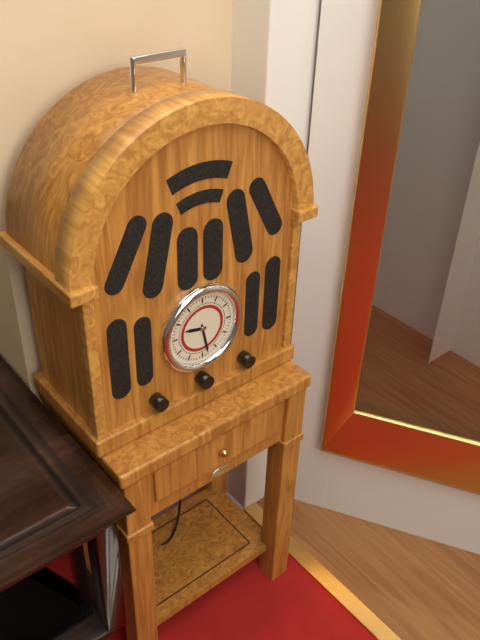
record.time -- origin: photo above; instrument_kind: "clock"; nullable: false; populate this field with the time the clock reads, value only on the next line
9:28
